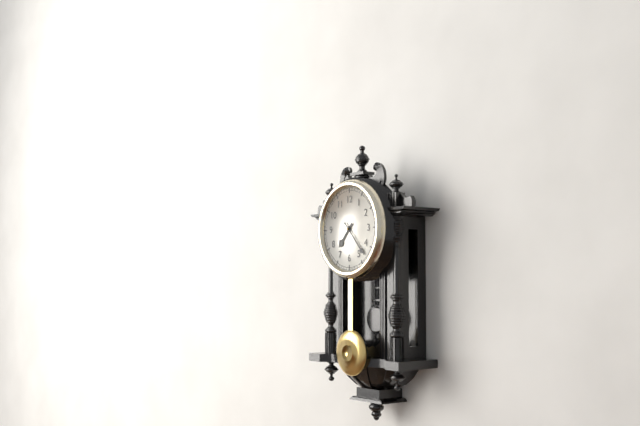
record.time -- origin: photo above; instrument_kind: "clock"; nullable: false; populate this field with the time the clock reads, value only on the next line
7:23
